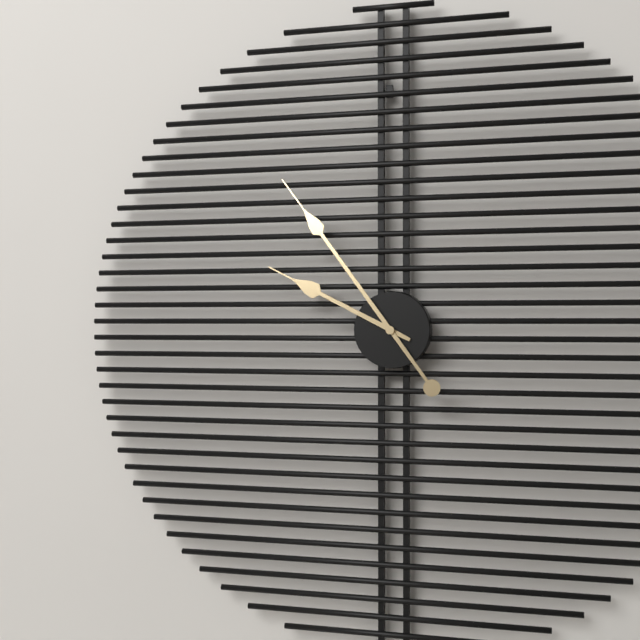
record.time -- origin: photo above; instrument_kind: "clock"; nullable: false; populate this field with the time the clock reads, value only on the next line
9:54
